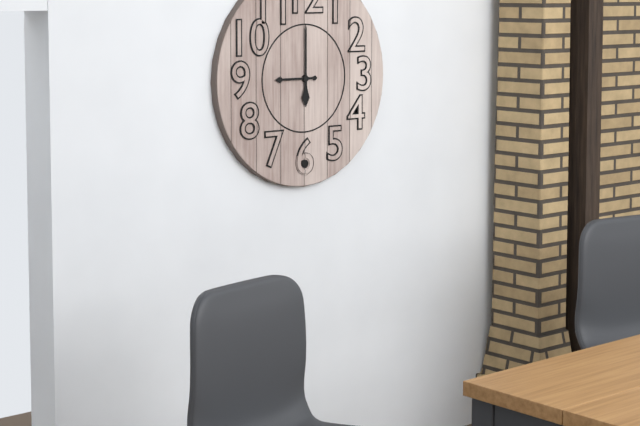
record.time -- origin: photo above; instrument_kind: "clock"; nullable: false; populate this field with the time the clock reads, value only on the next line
9:00
